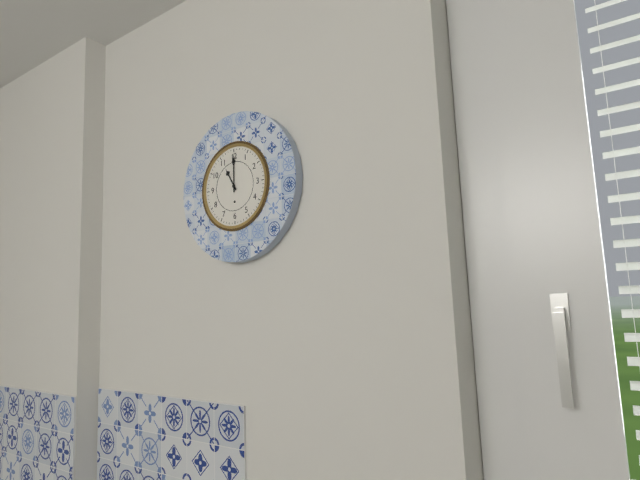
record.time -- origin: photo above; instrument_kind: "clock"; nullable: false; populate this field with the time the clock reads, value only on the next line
11:00
